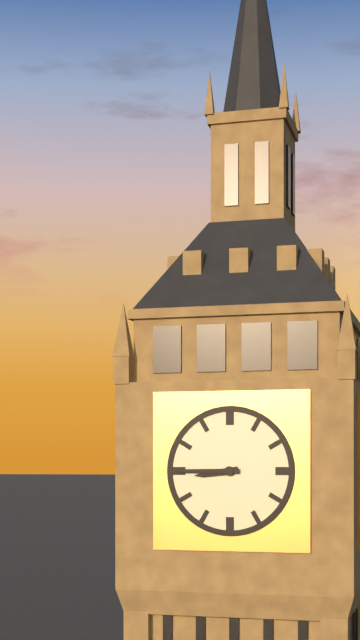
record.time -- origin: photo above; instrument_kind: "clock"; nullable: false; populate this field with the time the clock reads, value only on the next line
8:45
